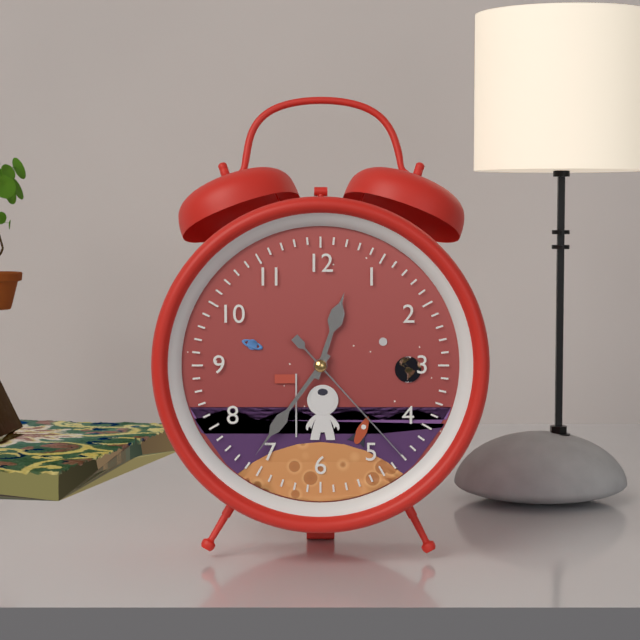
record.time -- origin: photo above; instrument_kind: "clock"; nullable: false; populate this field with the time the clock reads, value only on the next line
12:36:23
